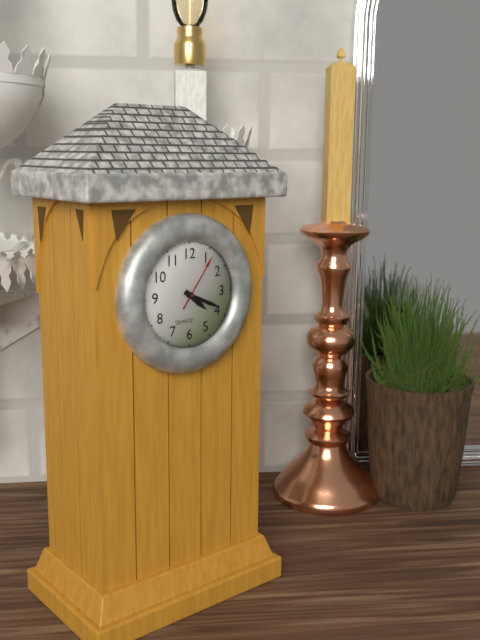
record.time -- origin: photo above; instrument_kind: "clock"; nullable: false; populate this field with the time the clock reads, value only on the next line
4:19:06
